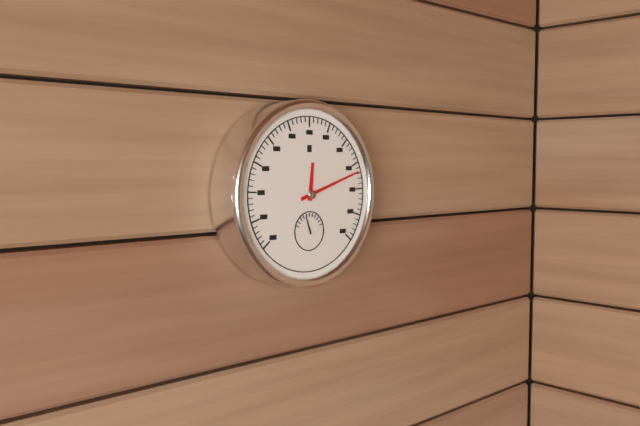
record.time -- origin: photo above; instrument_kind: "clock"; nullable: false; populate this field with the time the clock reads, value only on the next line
12:12
